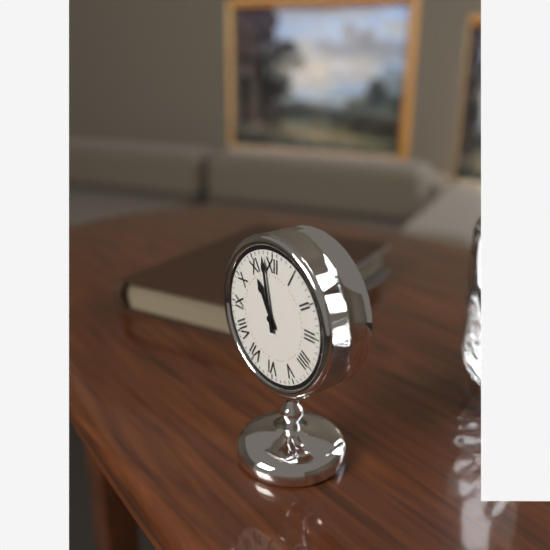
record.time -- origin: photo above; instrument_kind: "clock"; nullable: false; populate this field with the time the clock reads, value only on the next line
10:58
